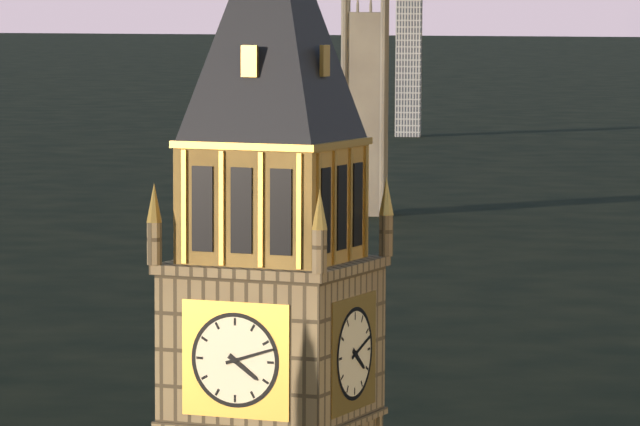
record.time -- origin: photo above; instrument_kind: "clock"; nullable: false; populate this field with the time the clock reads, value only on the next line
4:12
